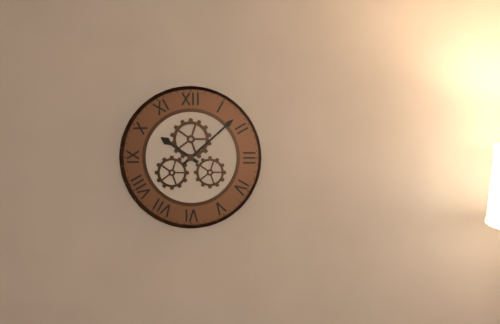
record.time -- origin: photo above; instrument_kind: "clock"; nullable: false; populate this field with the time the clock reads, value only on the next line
10:08
